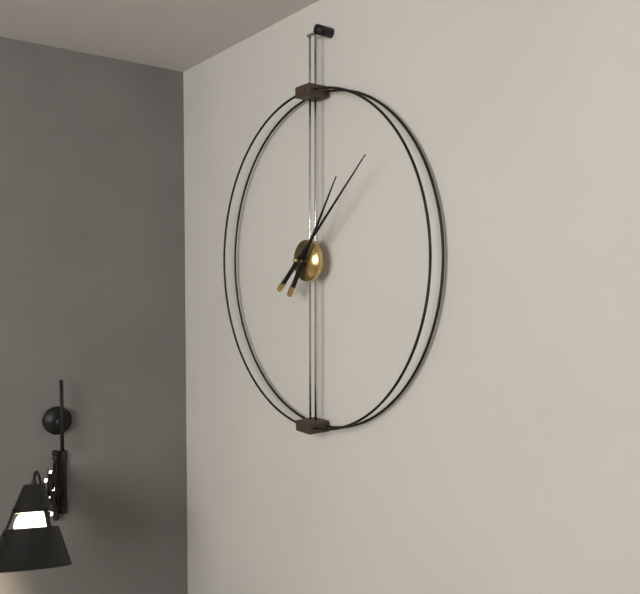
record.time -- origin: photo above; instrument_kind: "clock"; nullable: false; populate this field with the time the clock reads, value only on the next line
1:08
